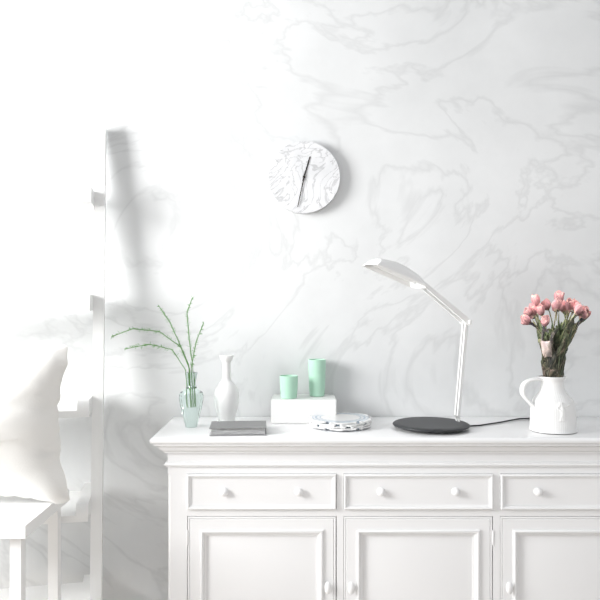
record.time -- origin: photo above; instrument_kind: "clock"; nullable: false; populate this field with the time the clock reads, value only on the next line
12:32
